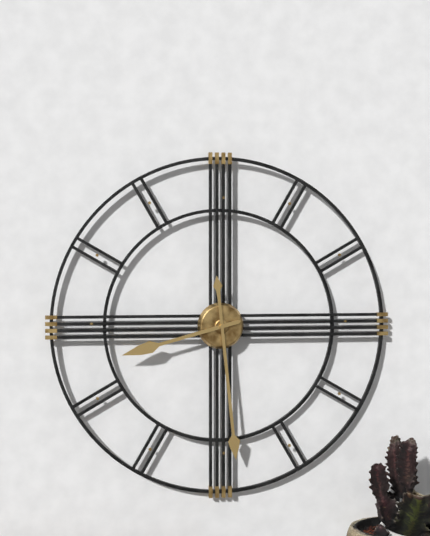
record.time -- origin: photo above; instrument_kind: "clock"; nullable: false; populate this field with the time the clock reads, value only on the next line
8:29
